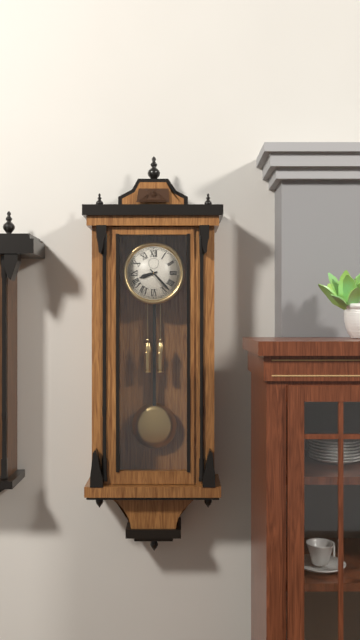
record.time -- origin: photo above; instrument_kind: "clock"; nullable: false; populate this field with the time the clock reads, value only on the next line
8:23
